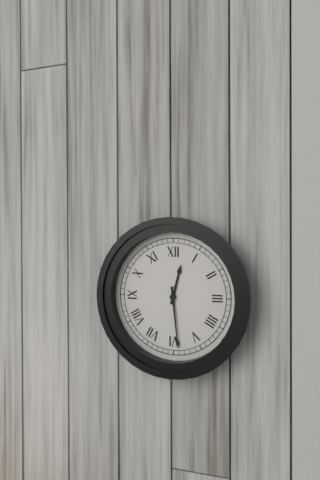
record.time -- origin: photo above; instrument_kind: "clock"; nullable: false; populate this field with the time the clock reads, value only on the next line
12:29
